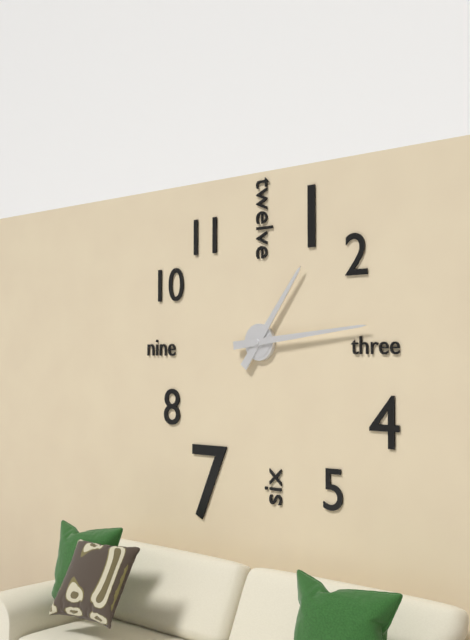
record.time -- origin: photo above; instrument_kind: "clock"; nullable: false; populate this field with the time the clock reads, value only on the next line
1:14
